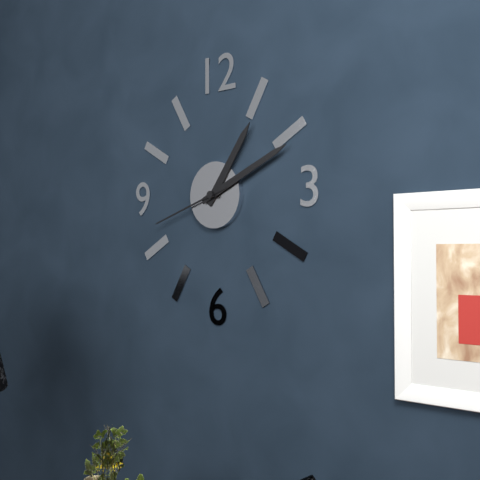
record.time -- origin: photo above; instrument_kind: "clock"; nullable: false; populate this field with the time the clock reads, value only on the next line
1:11:42
